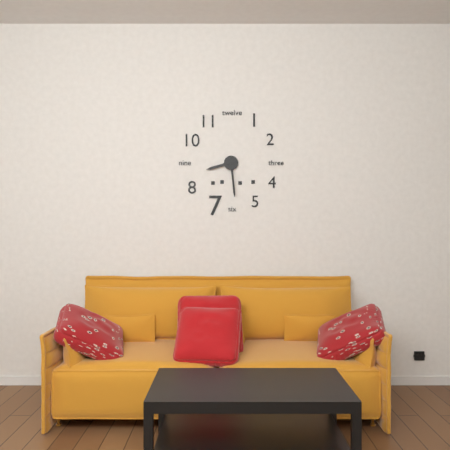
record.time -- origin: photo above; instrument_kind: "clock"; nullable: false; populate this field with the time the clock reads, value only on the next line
8:29
